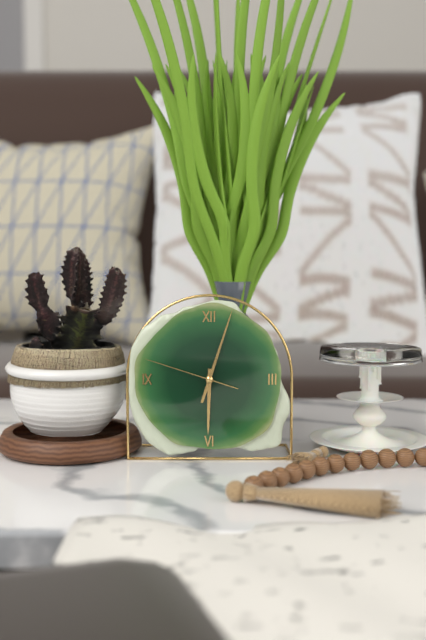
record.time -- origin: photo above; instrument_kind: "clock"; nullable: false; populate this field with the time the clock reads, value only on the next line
6:03:48
